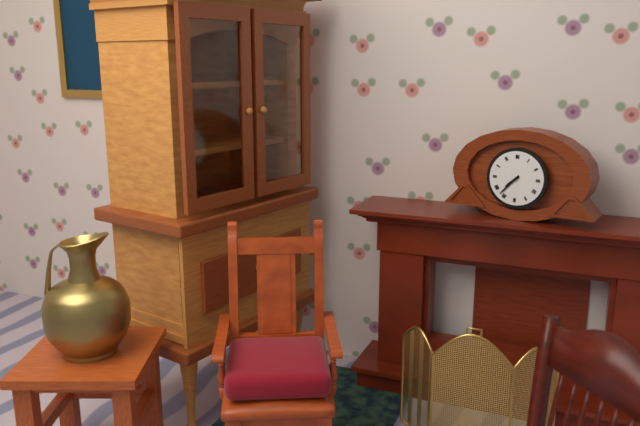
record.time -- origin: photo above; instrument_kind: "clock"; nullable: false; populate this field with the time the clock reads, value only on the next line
7:37
